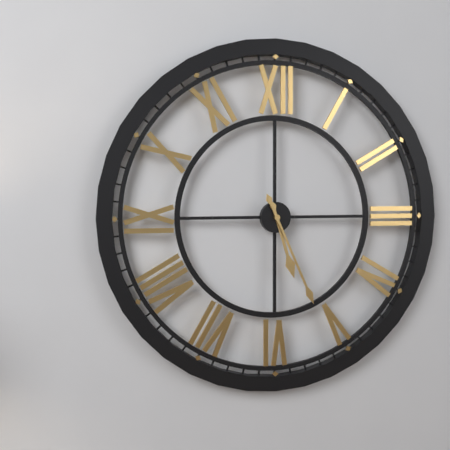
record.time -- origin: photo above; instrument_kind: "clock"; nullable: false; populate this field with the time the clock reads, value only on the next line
5:26
